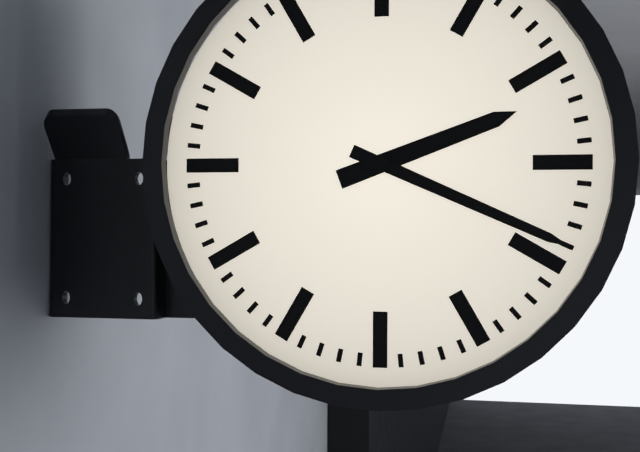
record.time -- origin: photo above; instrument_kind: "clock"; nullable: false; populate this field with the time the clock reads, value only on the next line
2:19
